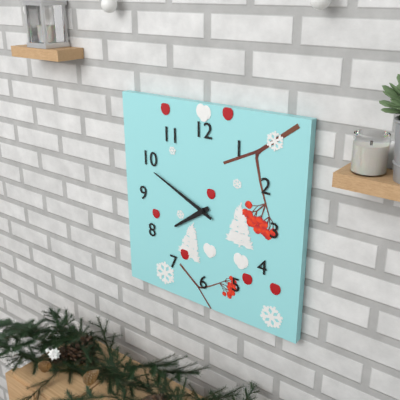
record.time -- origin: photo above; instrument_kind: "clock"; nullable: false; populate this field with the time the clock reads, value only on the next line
7:49
